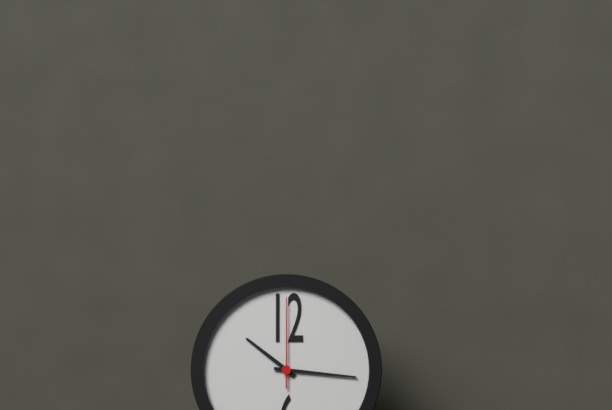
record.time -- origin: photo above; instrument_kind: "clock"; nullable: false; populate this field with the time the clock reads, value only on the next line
10:16:00
